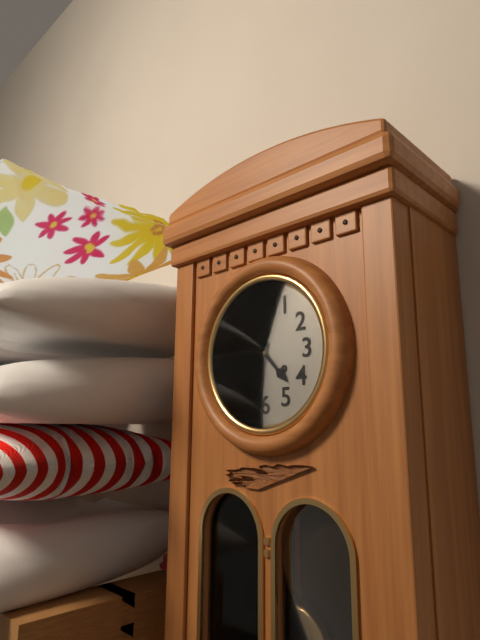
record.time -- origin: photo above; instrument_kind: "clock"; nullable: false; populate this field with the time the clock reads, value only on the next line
4:32
